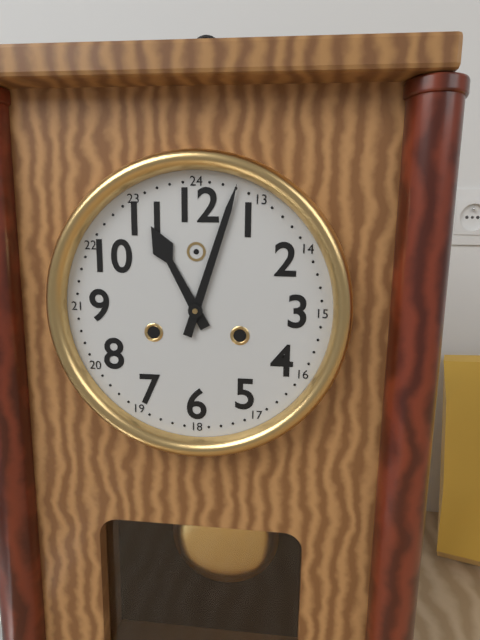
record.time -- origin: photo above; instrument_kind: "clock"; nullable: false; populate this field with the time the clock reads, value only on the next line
11:03
